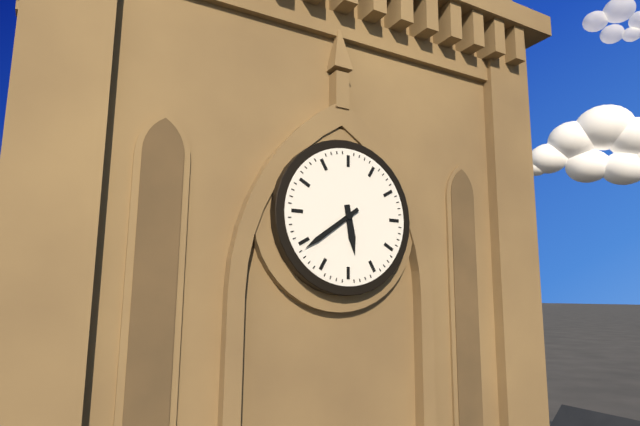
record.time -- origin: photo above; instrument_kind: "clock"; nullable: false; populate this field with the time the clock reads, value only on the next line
5:39
